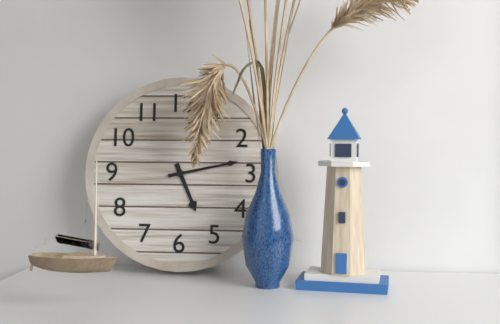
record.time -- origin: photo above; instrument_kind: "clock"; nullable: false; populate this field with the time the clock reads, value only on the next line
5:13
